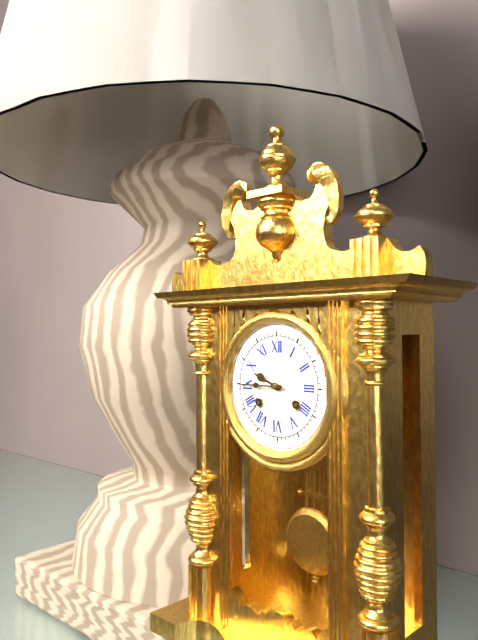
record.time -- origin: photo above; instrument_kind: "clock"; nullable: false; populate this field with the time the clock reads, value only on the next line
9:45
